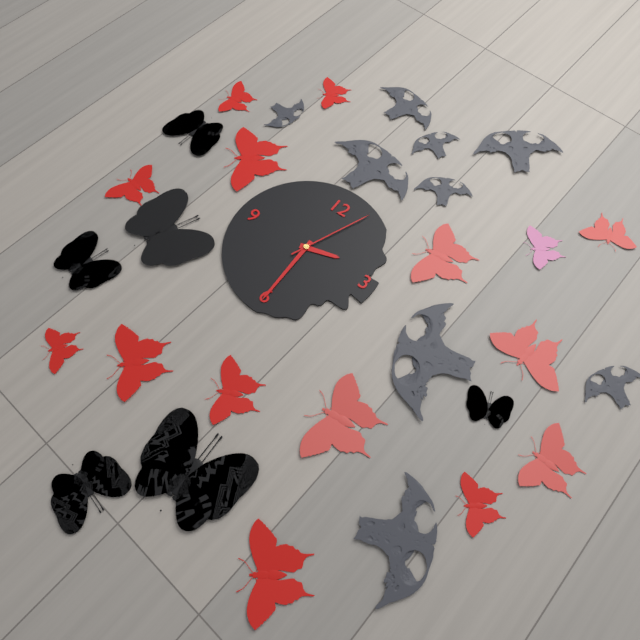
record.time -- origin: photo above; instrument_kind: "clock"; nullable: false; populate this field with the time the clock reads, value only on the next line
2:30:04
